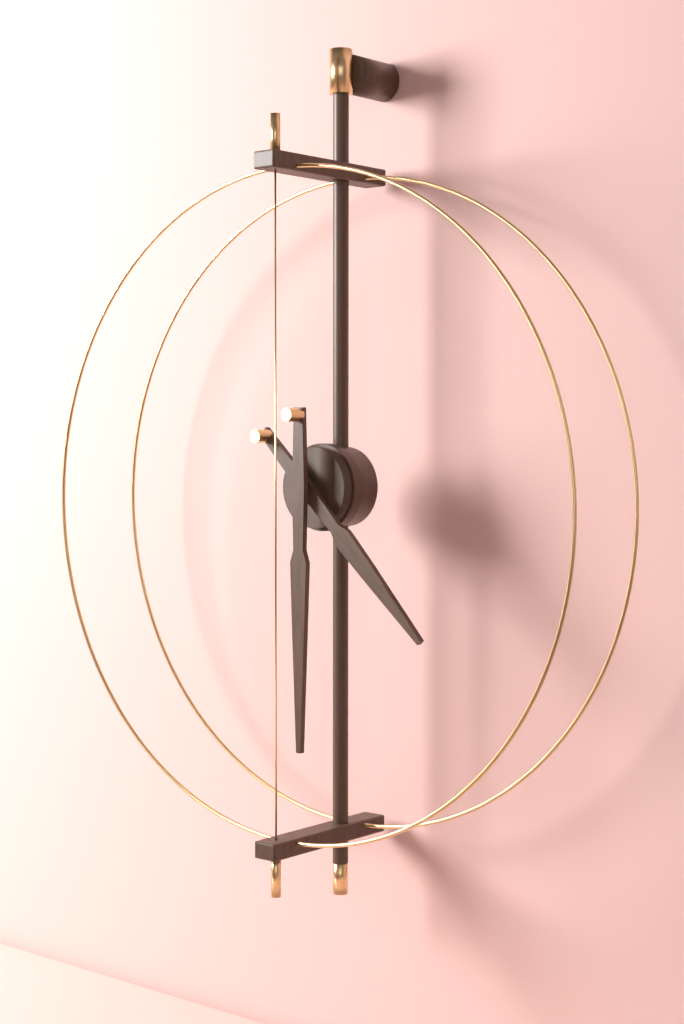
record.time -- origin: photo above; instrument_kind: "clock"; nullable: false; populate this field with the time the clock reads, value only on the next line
4:30
